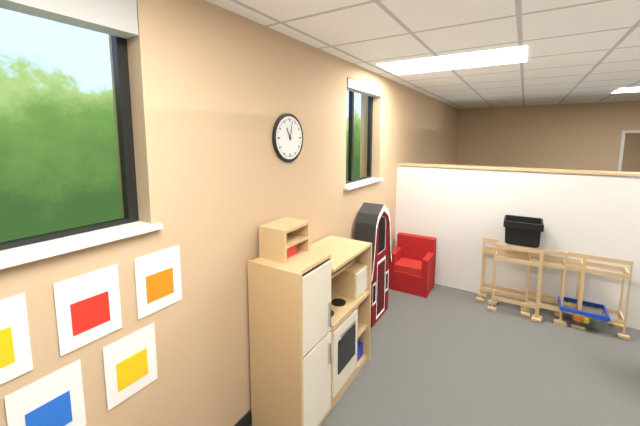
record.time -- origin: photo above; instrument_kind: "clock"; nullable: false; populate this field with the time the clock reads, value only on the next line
11:02
